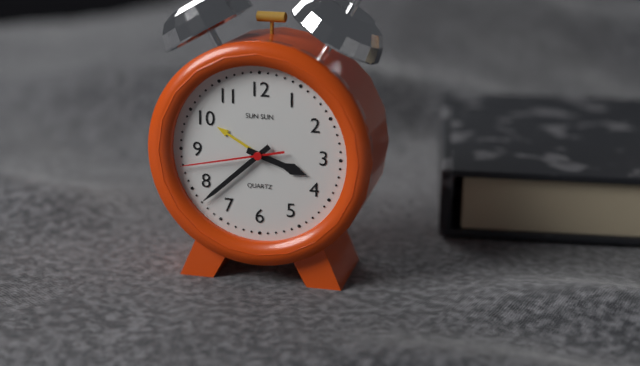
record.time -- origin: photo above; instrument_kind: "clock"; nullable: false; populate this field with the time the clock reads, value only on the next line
3:38:43
